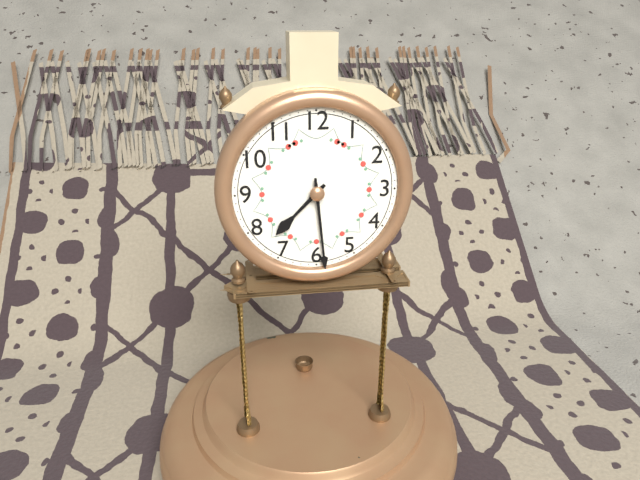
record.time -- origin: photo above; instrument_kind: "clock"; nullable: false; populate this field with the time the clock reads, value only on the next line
7:29
